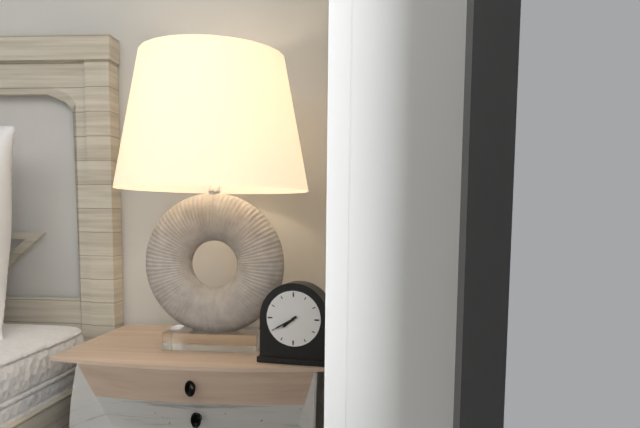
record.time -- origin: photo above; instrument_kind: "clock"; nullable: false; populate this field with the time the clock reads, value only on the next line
7:40
